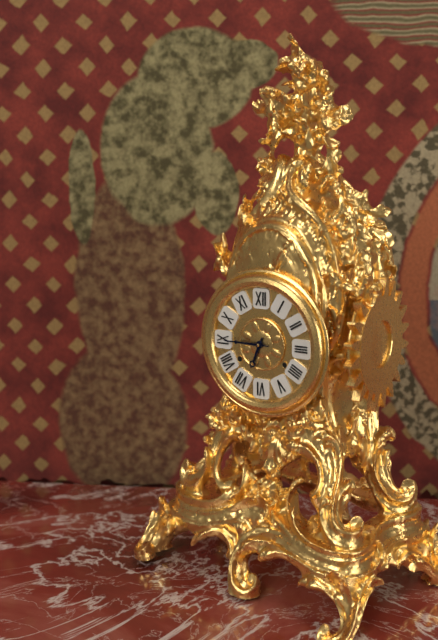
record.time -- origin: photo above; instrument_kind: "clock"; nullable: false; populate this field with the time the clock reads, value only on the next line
6:45
